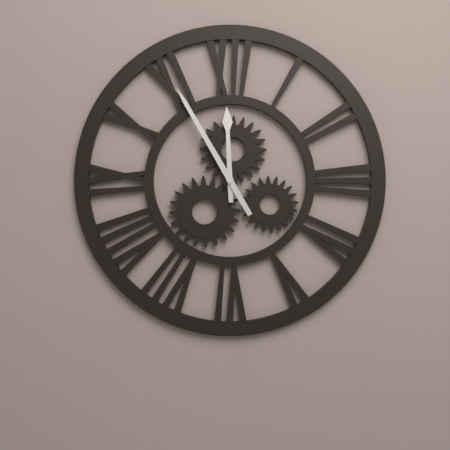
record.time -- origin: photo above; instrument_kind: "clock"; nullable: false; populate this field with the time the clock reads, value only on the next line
11:55
